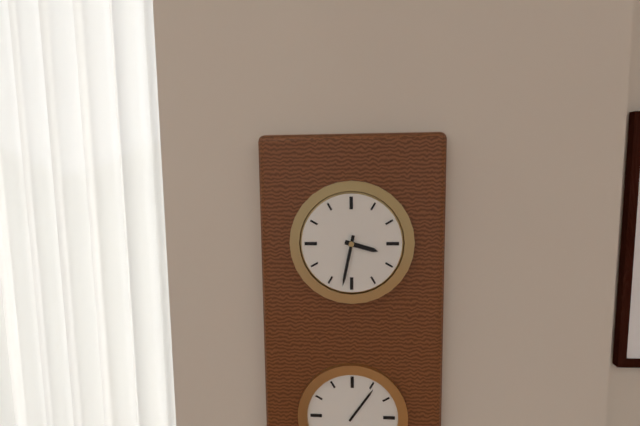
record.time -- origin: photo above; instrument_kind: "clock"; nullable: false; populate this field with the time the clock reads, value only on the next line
3:32
